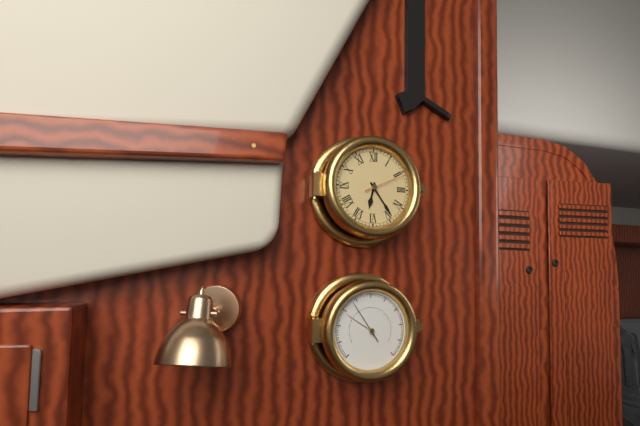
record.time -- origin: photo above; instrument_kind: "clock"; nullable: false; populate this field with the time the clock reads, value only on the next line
6:24:11
